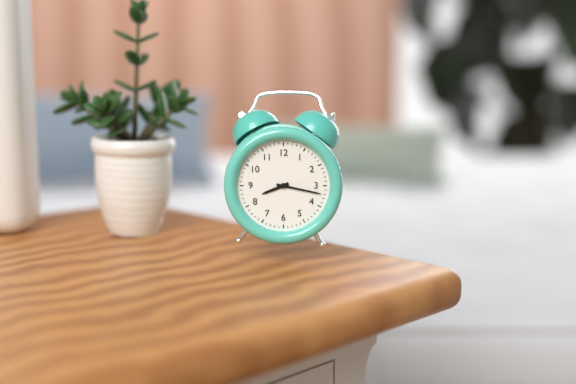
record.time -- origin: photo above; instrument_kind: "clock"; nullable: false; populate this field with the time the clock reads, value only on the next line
8:17
